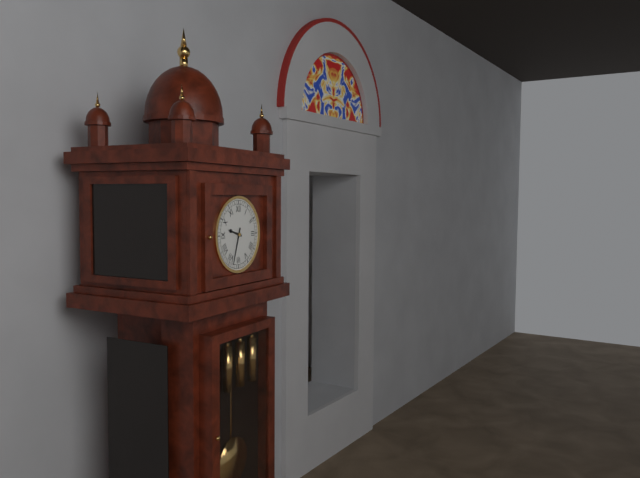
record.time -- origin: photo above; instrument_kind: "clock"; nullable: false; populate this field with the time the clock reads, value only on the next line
9:33
